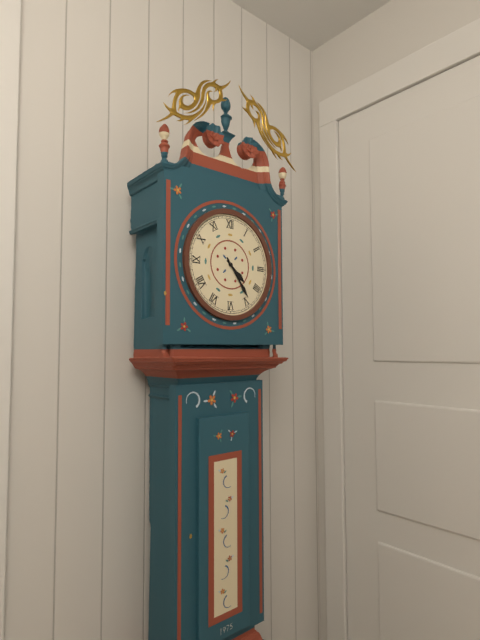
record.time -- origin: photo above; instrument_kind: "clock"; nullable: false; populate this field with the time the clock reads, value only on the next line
4:24
